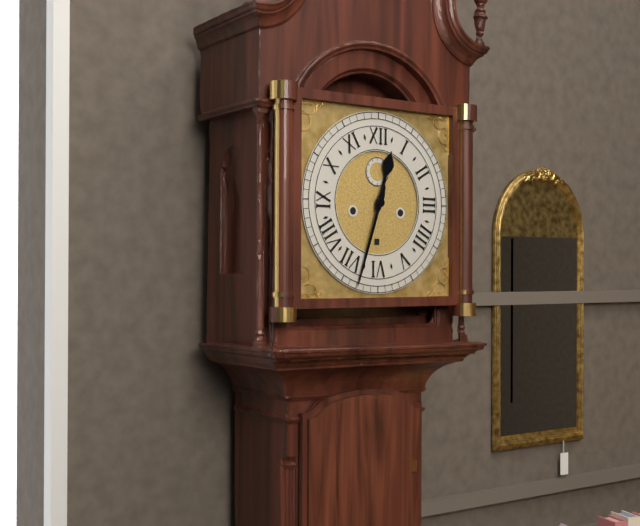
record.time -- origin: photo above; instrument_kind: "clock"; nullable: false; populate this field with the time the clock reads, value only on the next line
12:33
